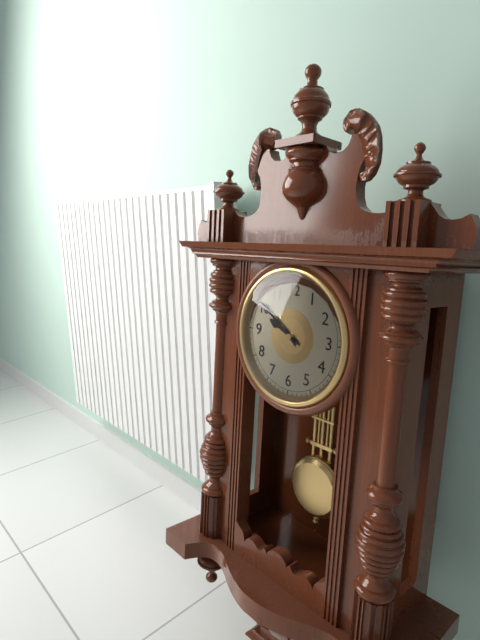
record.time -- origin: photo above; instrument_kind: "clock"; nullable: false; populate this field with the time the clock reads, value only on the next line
9:51
